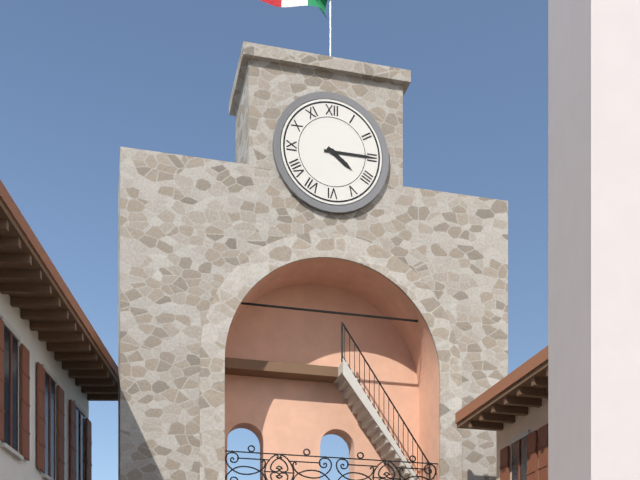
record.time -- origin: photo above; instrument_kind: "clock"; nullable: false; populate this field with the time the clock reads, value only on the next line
4:15
